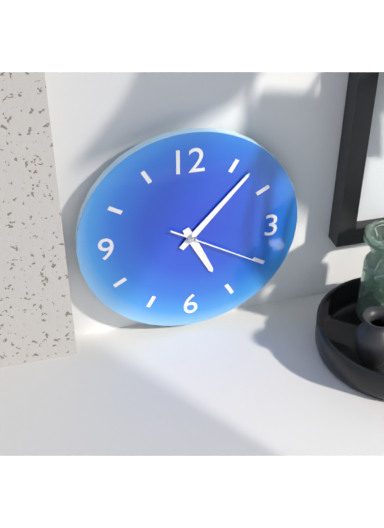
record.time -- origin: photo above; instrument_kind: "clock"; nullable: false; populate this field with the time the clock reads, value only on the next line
5:07:20
